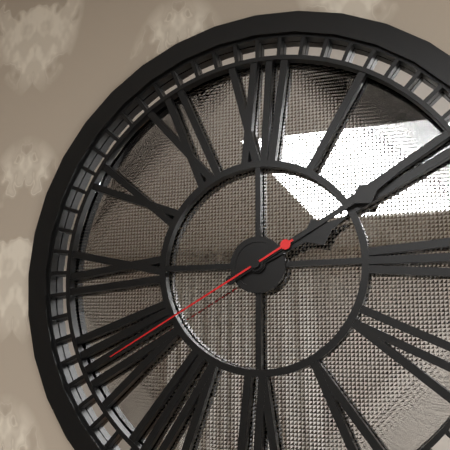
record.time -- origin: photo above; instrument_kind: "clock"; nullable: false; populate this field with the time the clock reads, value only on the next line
2:10:40
